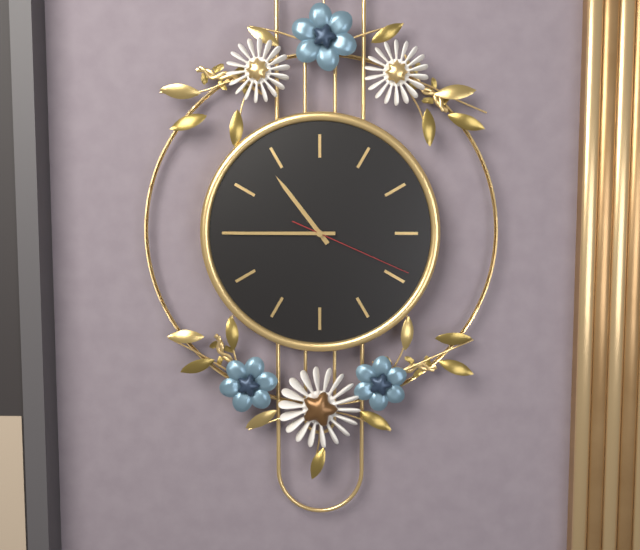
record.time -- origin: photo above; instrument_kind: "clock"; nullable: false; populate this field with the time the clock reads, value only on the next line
10:45:19
